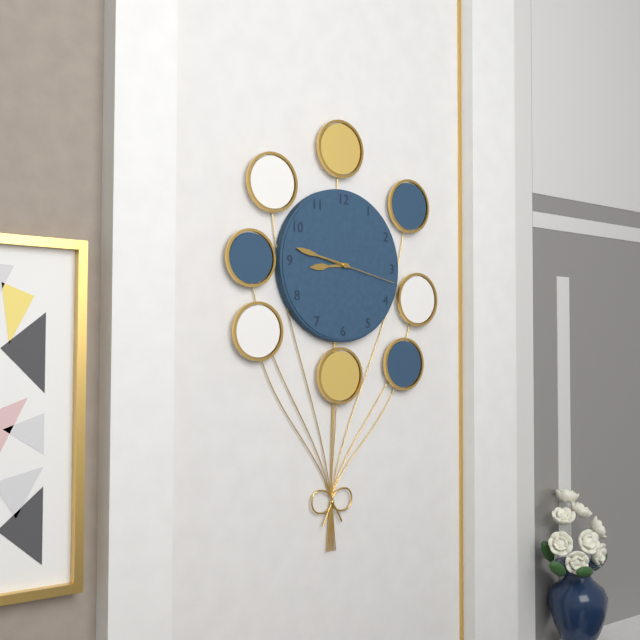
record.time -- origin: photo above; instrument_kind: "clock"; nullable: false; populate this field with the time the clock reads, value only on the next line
8:47:17
